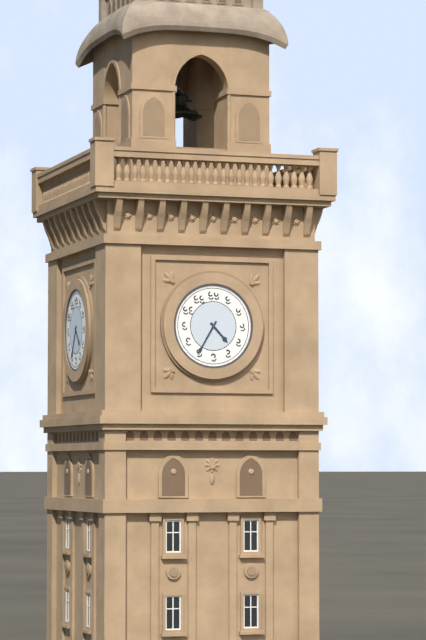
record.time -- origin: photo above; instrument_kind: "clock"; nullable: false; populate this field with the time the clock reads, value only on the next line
4:35
